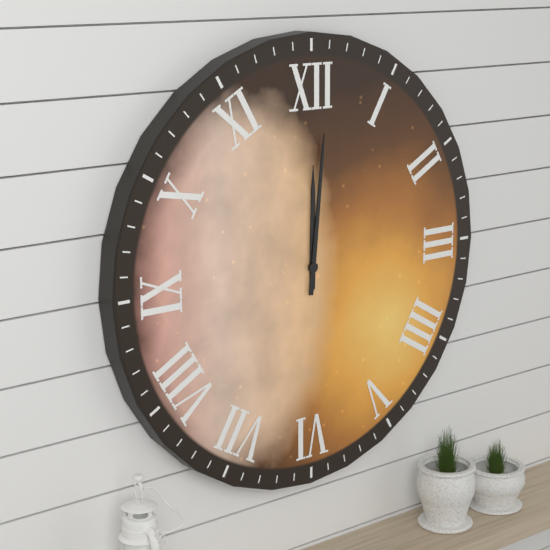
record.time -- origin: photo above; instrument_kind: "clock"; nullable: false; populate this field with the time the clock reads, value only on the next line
12:01
